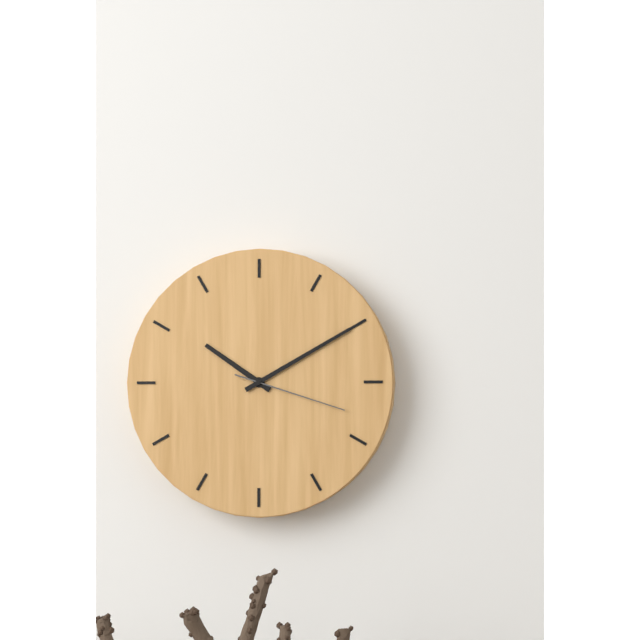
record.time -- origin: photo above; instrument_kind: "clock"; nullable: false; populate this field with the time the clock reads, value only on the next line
10:10:18
